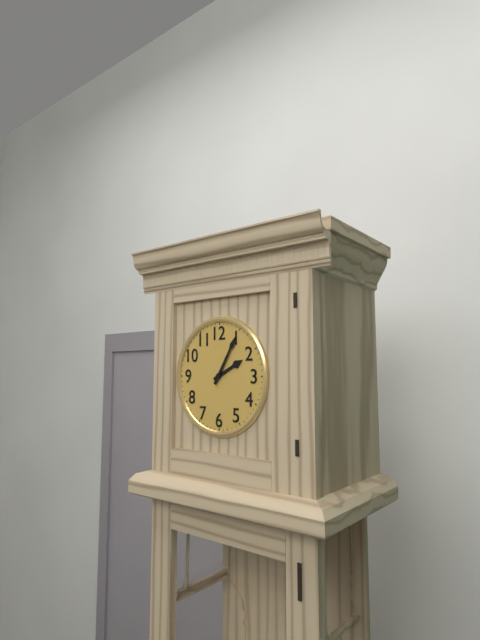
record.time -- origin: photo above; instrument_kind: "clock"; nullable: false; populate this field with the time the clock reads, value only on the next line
2:05
